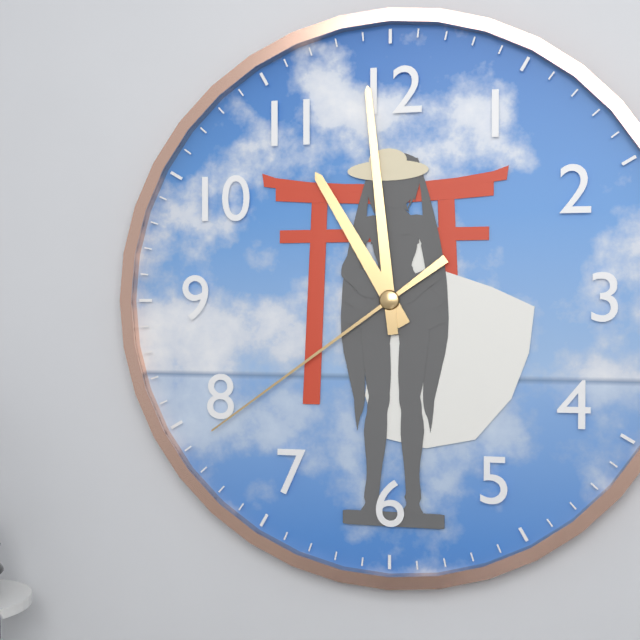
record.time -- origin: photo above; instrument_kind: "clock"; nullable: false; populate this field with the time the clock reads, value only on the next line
10:59:39
